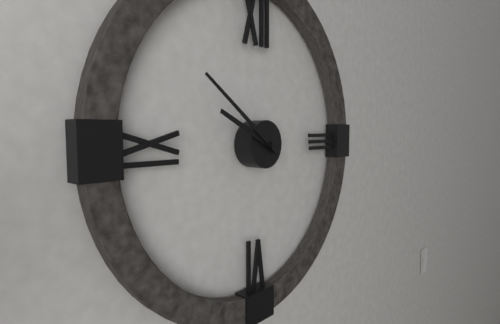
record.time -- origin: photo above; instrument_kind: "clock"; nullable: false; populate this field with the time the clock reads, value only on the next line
9:51
